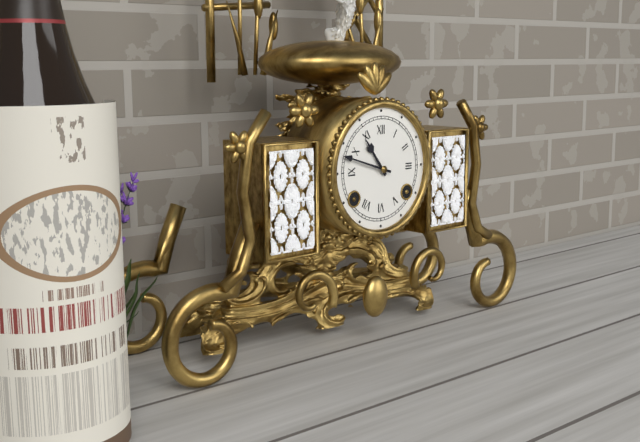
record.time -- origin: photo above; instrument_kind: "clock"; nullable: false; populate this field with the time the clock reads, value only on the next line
10:48
